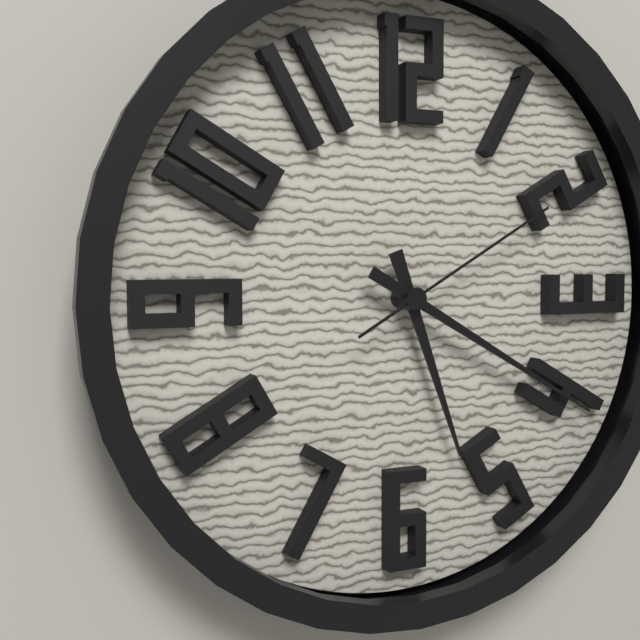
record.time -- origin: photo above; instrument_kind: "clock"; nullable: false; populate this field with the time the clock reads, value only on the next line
5:20:10
